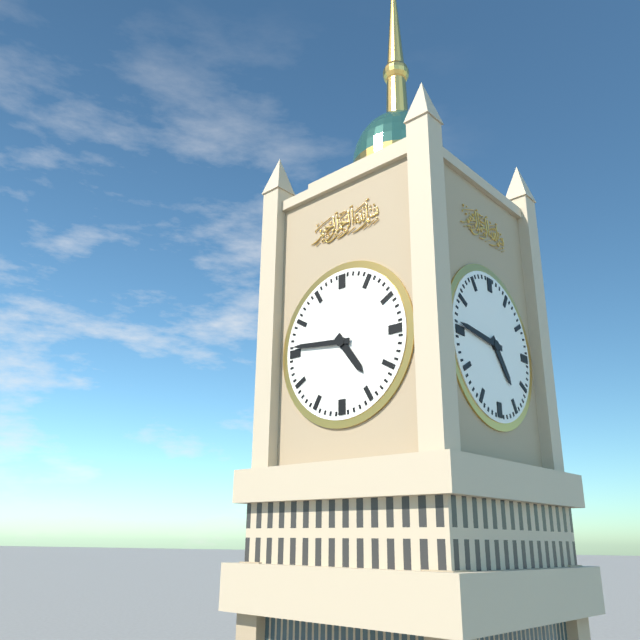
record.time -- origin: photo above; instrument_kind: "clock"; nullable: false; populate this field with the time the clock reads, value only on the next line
4:46
